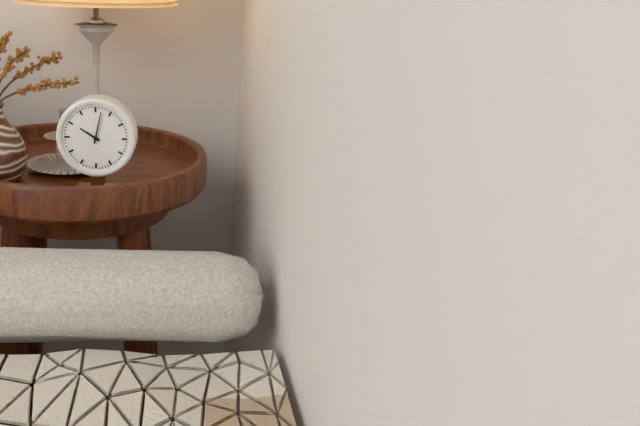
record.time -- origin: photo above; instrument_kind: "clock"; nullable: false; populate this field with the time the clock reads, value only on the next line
10:02
